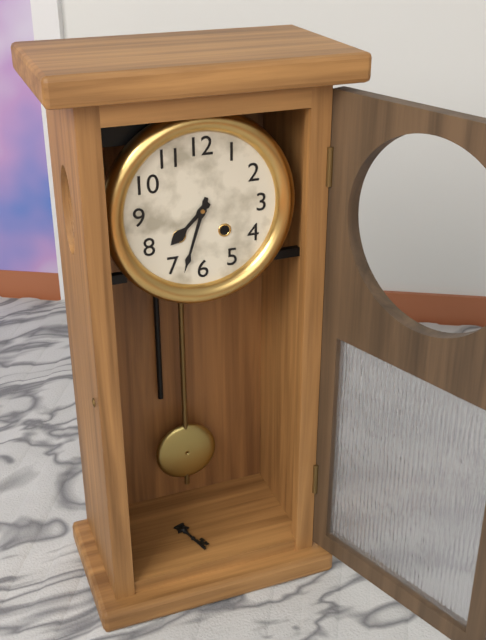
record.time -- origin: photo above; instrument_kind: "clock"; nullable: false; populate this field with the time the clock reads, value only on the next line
7:33
